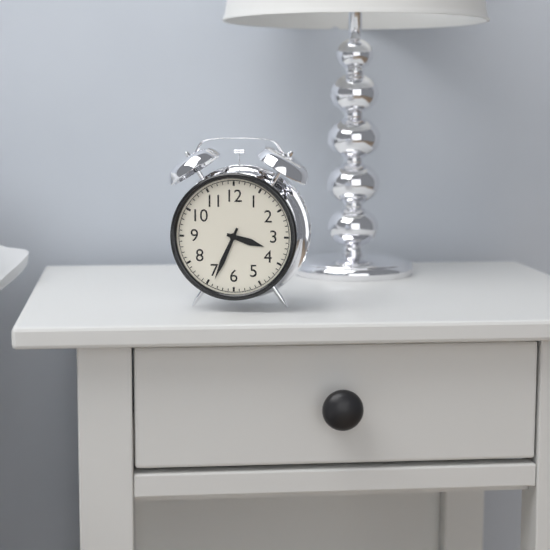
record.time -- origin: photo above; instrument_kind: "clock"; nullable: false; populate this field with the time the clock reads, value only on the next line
3:34
